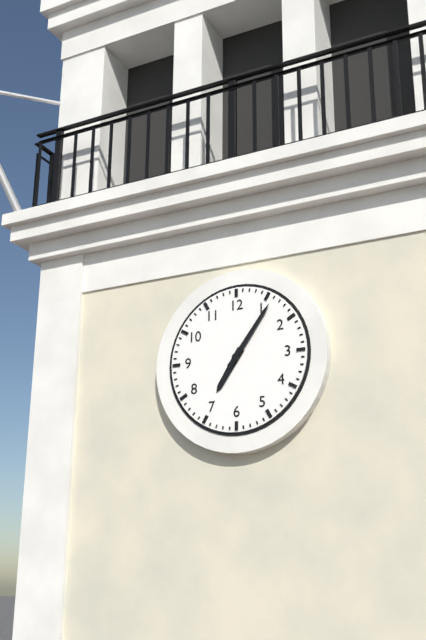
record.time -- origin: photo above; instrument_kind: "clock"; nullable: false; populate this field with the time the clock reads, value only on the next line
7:06
